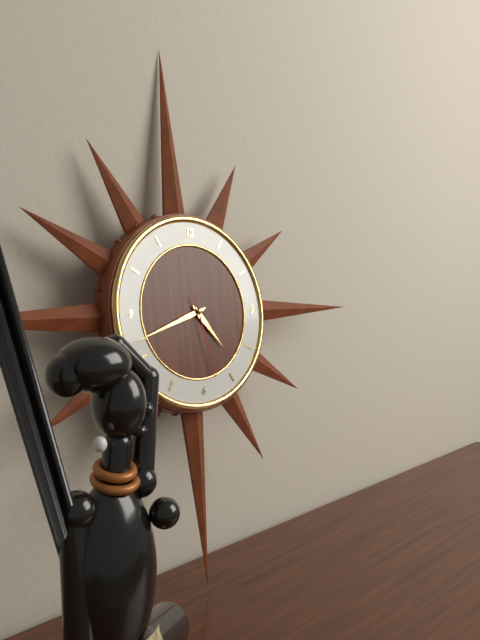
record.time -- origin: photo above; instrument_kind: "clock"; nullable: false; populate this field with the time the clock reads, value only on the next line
4:42:28
